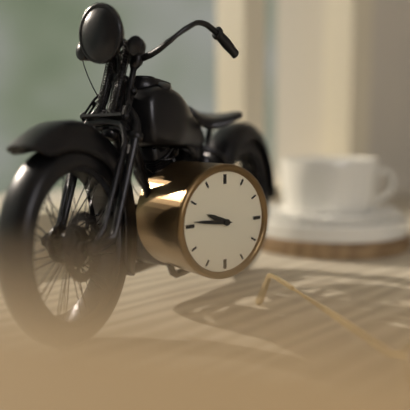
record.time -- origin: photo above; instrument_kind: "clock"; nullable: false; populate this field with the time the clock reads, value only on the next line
9:46
